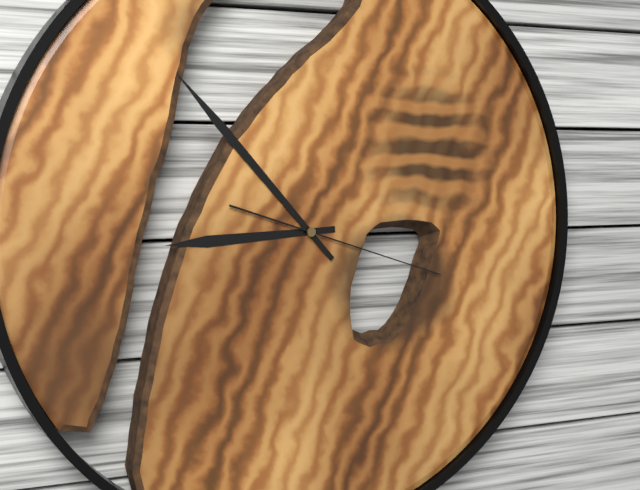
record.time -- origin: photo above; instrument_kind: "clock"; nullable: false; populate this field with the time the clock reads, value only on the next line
8:53:18
